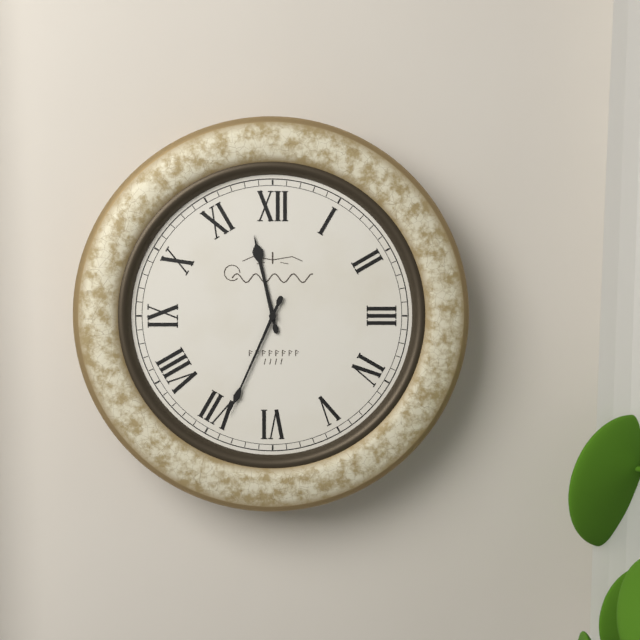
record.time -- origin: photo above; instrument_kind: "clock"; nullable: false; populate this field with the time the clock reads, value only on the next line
11:34
